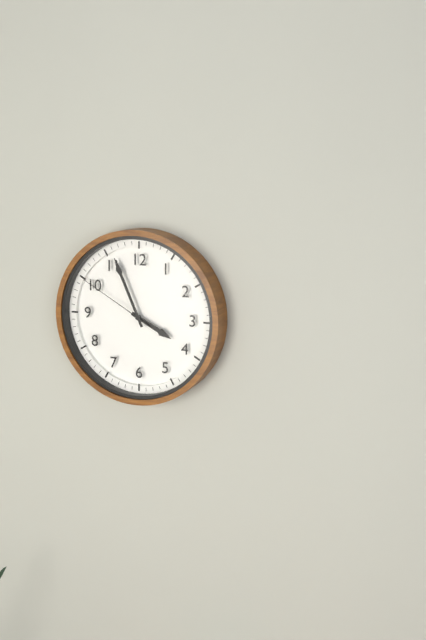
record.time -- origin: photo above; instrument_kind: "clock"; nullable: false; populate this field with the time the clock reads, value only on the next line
3:56:50
